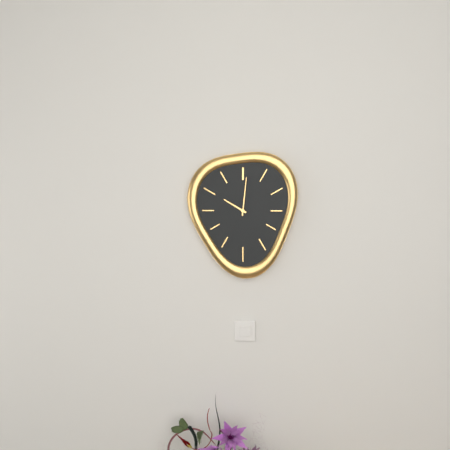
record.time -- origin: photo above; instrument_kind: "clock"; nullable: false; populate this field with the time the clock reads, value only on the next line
10:01
